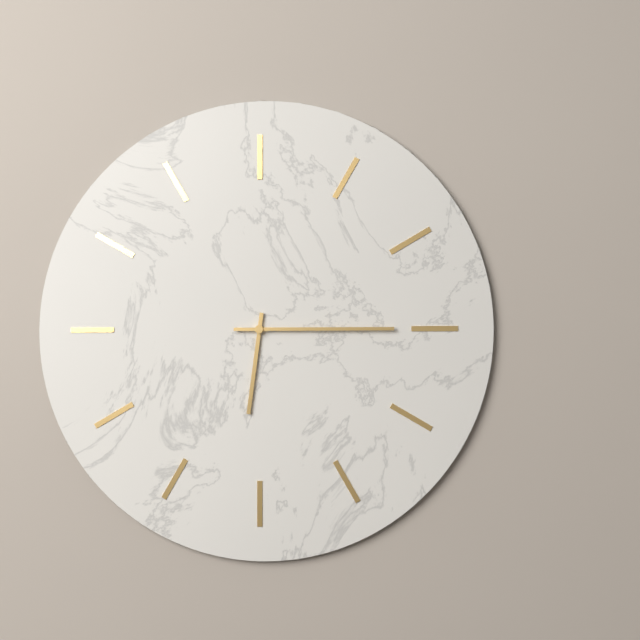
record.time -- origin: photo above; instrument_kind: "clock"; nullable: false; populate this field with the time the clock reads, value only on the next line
6:15
